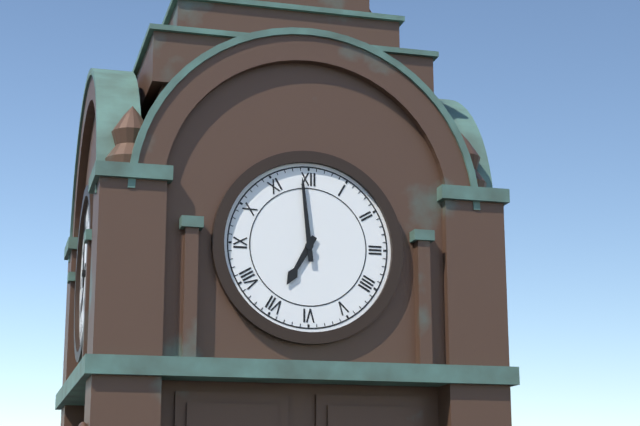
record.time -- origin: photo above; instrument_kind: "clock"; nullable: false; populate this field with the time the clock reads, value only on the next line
6:59
